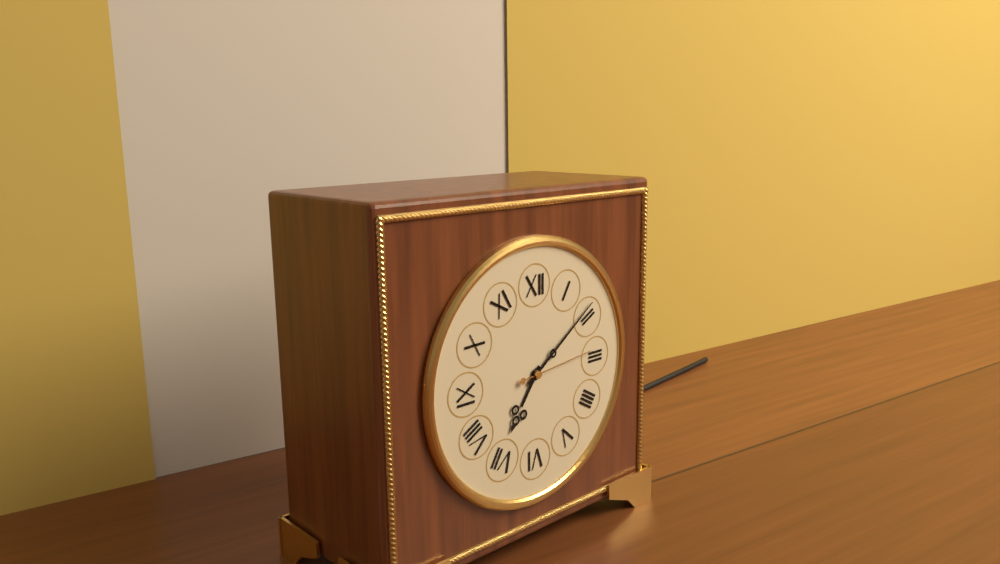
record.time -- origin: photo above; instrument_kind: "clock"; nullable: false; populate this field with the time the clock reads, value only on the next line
7:09:14
